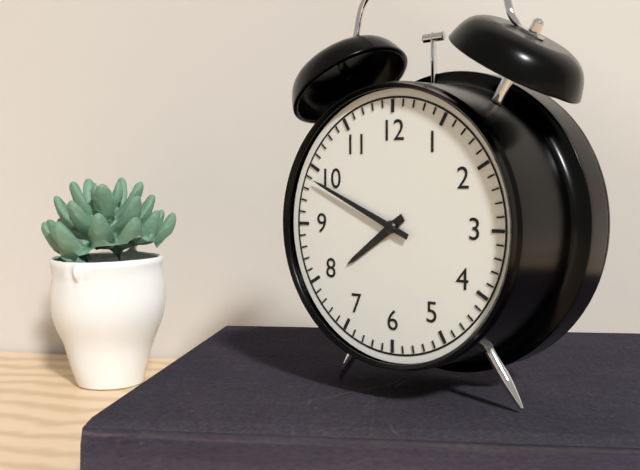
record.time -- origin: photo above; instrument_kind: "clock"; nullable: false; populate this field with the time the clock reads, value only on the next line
7:49
